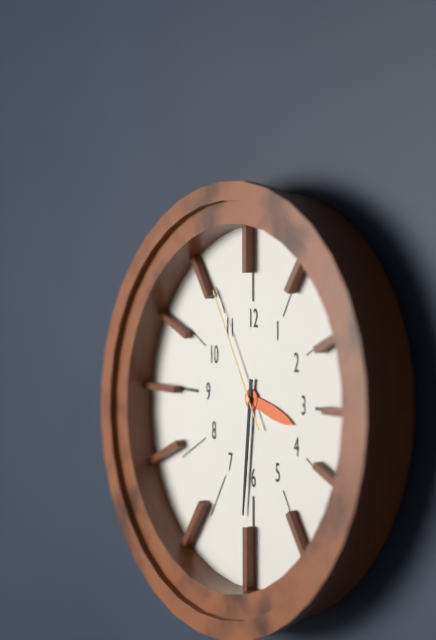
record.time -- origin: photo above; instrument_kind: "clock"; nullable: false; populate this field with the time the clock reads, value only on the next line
3:31:55
